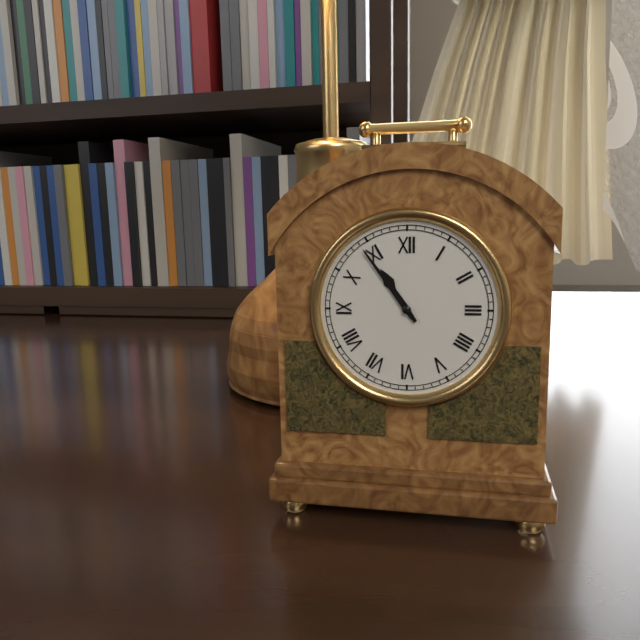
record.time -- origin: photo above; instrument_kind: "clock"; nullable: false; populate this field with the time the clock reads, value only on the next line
10:54
